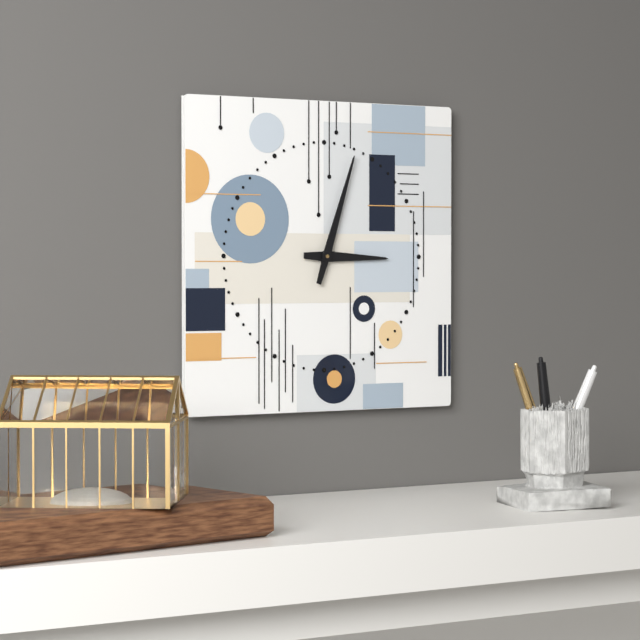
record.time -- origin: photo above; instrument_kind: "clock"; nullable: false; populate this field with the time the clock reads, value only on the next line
3:03
